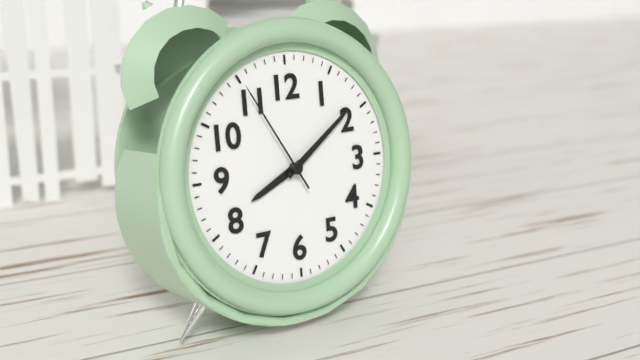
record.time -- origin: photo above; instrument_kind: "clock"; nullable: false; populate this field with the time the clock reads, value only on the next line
8:09:55
